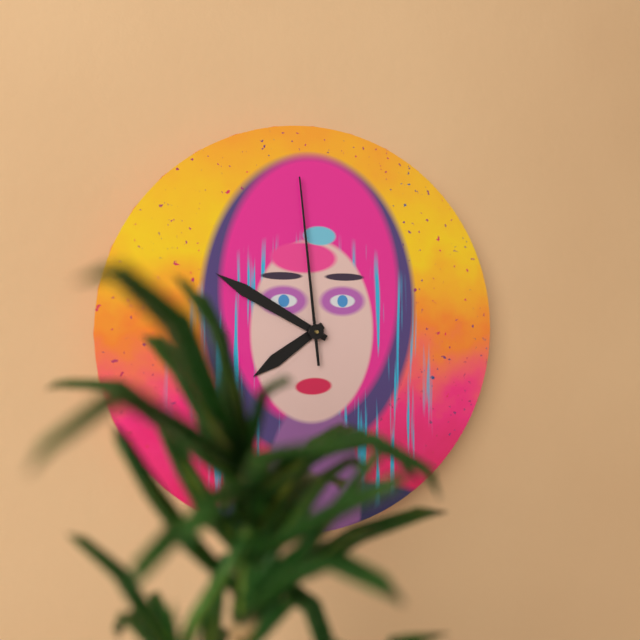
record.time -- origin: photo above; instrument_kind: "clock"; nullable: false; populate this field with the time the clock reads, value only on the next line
7:50:59
